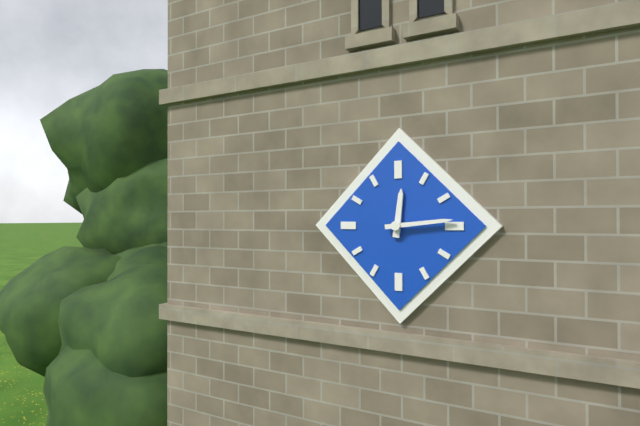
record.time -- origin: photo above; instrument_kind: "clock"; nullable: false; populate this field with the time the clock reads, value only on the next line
12:14
